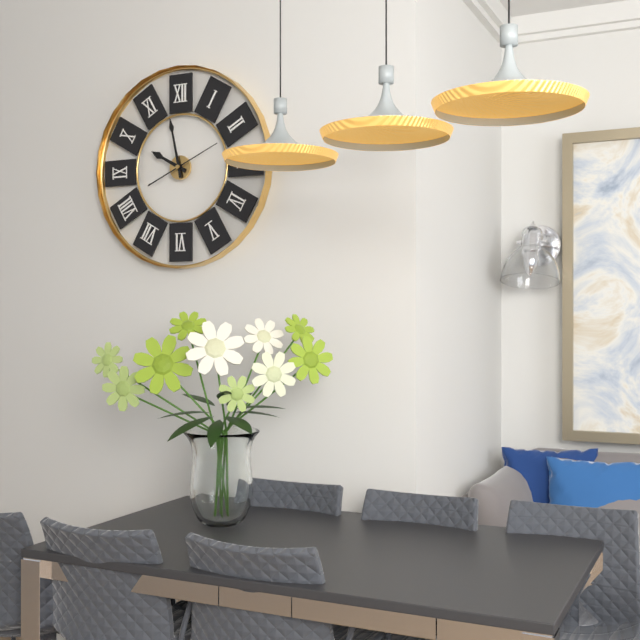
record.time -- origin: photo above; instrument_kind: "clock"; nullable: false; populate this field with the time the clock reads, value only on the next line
9:58:11
